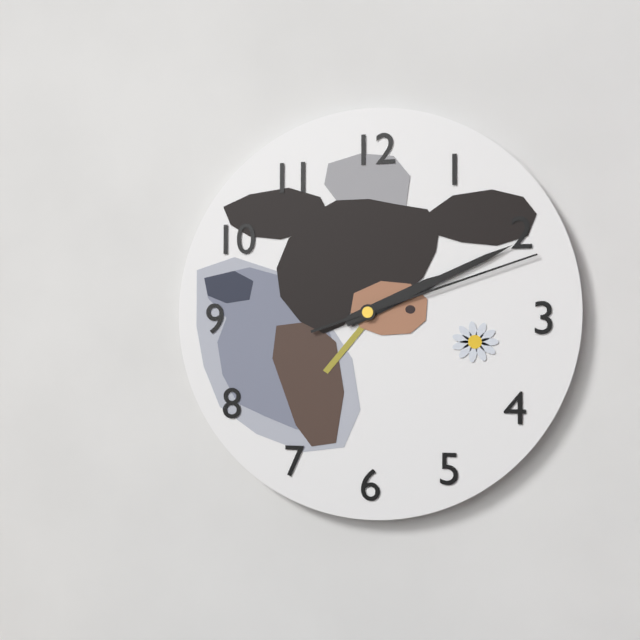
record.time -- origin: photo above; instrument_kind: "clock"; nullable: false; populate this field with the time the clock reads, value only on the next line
2:11:12
